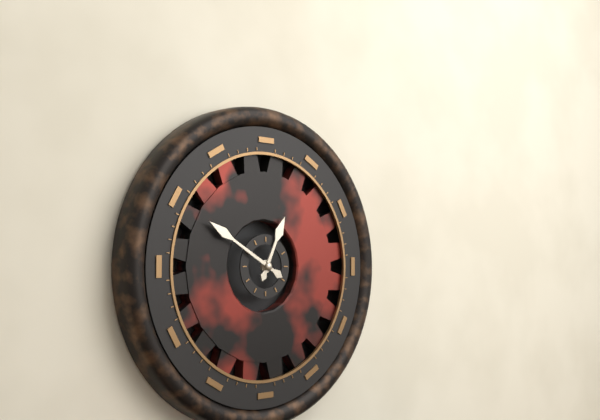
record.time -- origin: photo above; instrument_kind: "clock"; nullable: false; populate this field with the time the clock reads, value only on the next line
12:50
